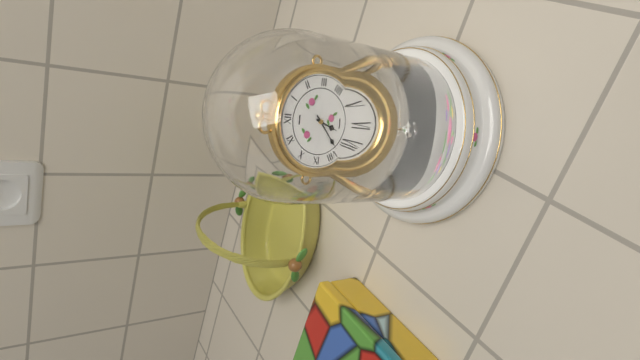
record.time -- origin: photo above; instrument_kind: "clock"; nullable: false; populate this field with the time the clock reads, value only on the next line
6:38
